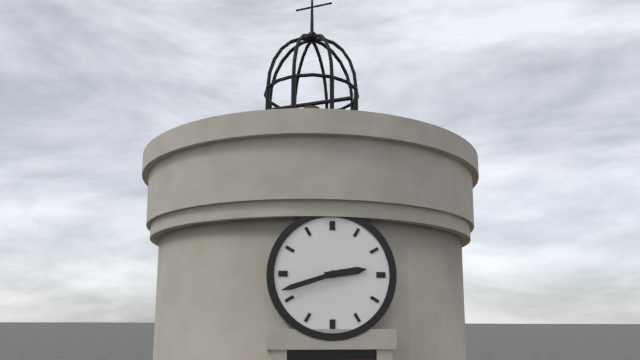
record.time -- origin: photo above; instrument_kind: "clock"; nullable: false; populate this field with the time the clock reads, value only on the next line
2:42
